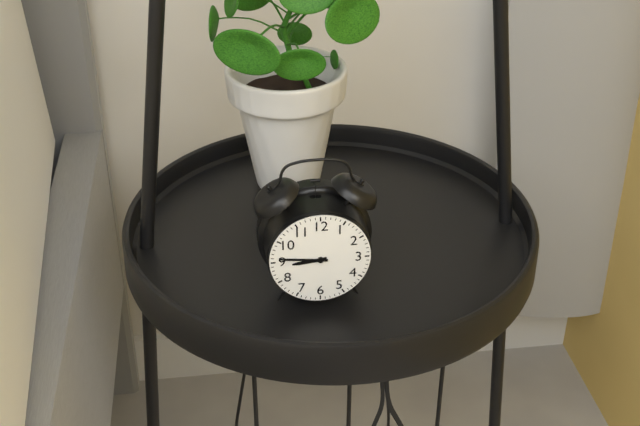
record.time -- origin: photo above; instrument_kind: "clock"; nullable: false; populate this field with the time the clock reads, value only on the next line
8:46
